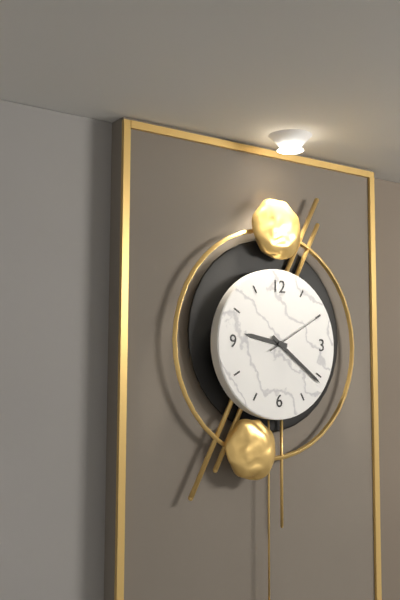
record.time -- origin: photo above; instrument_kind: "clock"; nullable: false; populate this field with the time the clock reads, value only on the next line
9:21:10
